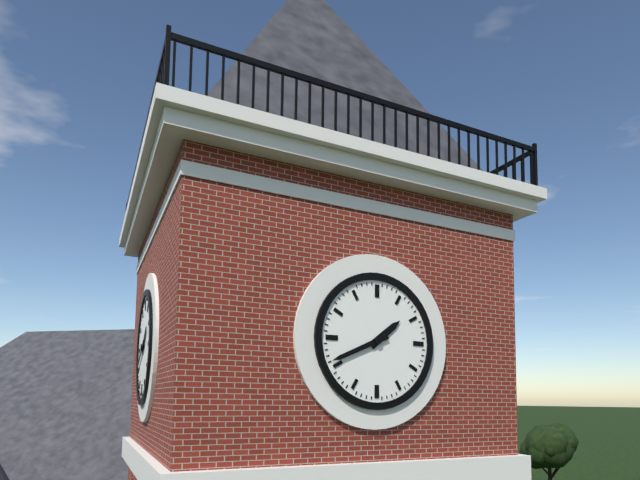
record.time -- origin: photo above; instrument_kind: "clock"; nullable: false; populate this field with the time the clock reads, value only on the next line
1:41
